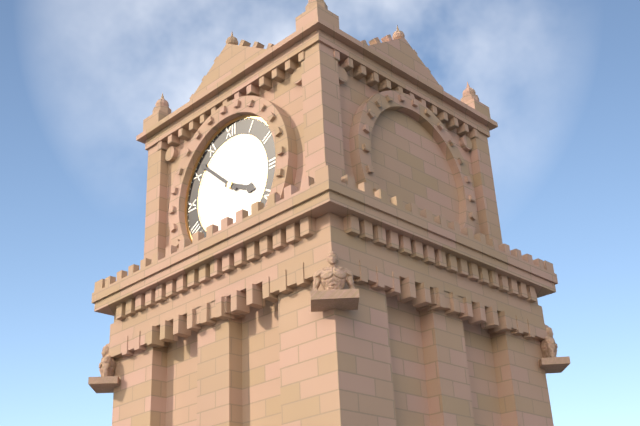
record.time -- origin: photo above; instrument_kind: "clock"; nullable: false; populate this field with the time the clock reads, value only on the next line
3:52
